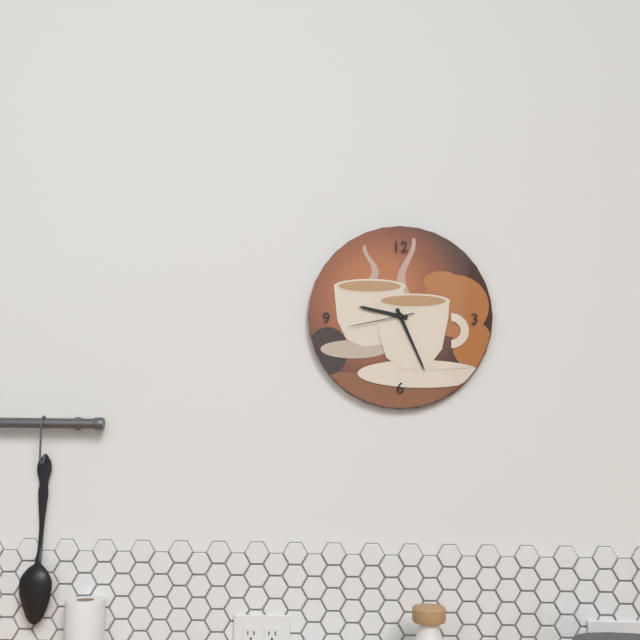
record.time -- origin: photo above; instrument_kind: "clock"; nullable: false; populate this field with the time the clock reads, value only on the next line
9:26:43
